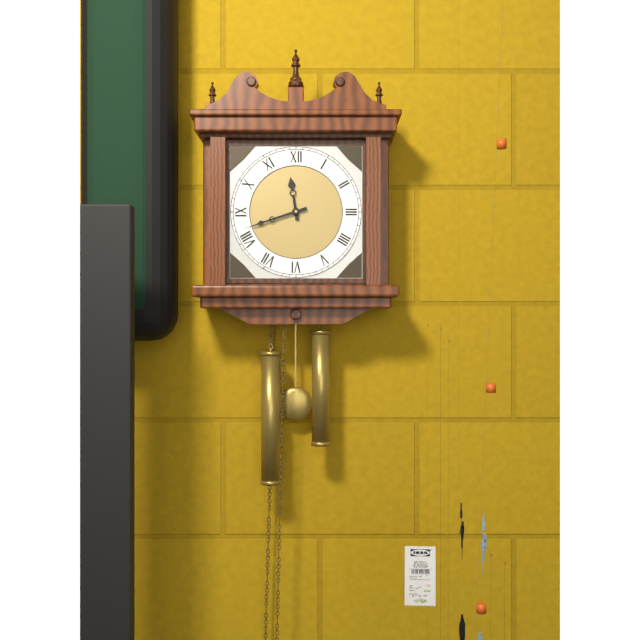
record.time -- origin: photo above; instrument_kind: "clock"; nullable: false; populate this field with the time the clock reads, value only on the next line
11:42
